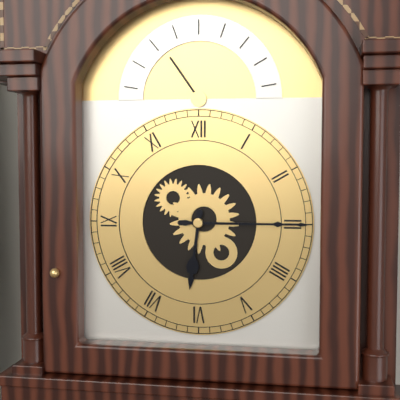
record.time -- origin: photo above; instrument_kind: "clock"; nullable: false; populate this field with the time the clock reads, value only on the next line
6:15
